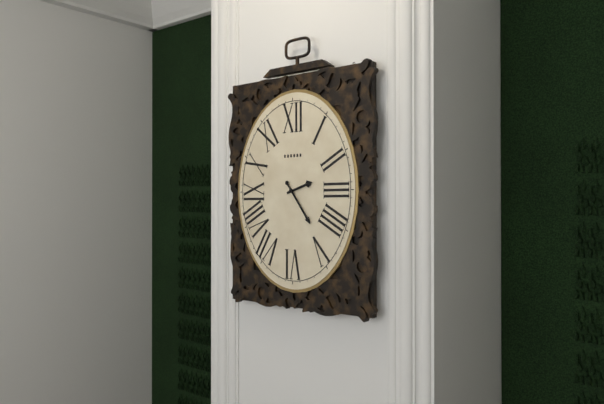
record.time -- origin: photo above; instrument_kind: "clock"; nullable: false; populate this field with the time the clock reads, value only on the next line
2:24
